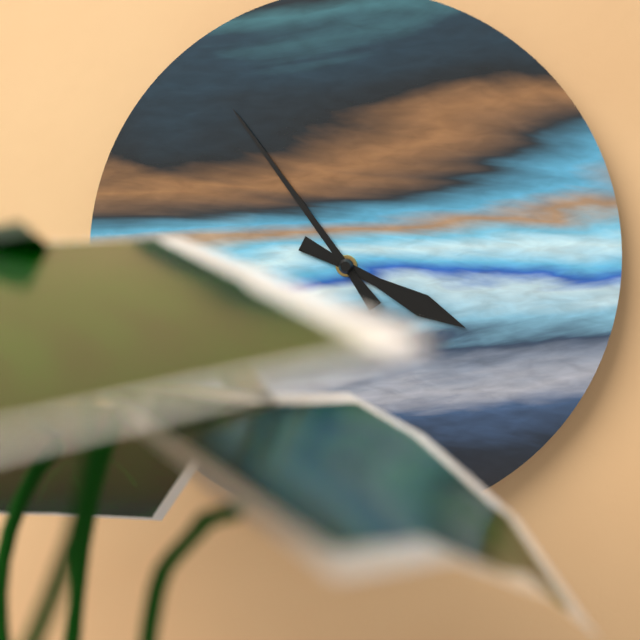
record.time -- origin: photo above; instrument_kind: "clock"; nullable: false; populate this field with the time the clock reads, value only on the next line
3:54
